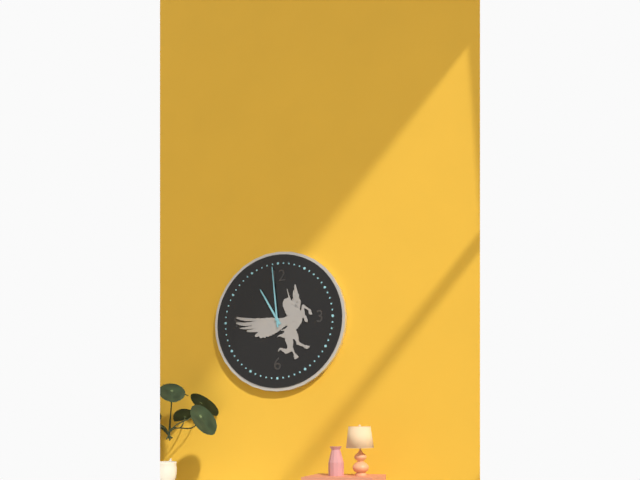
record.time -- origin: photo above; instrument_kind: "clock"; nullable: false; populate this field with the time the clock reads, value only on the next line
10:59
